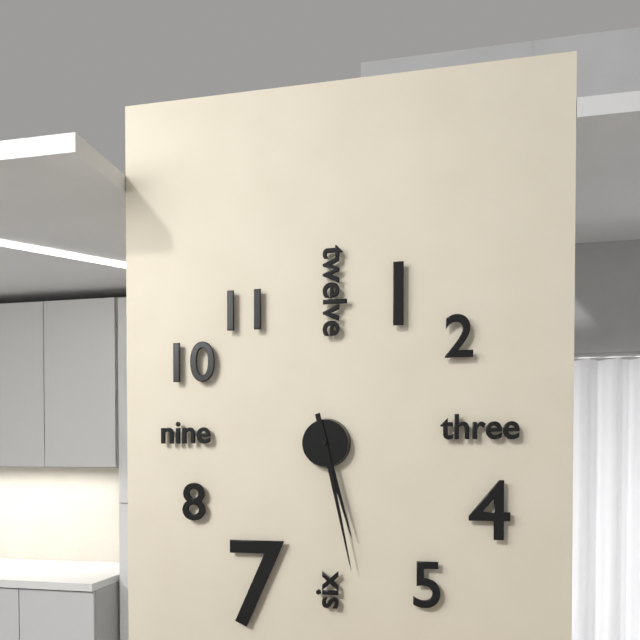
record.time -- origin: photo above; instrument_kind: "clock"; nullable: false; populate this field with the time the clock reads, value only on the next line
5:28
